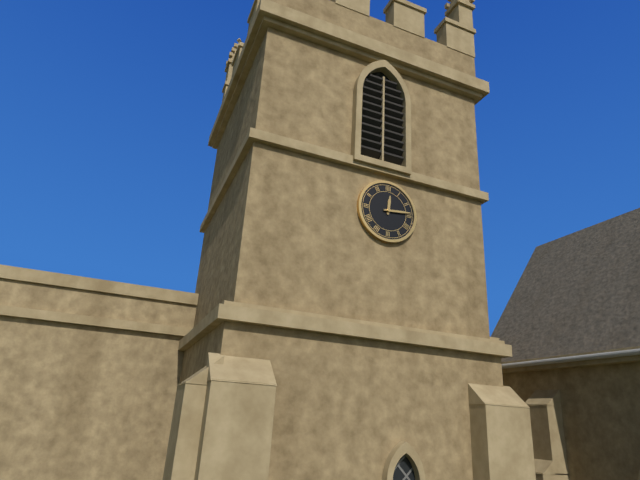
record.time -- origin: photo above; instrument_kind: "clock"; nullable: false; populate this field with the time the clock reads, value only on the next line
12:14
